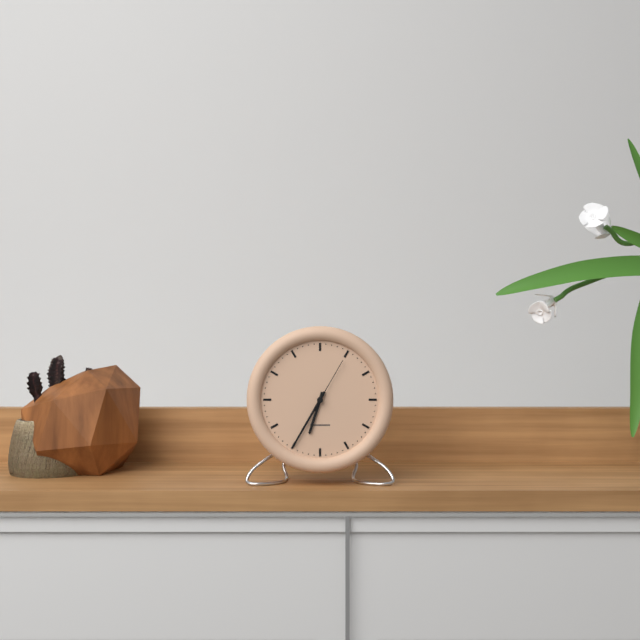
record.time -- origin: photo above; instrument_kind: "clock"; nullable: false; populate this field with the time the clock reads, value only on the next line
6:35:05
